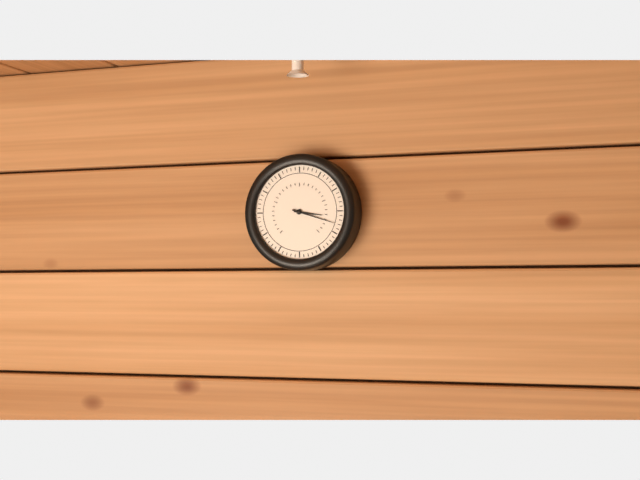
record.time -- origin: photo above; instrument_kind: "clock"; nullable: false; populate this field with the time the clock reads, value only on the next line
3:18
